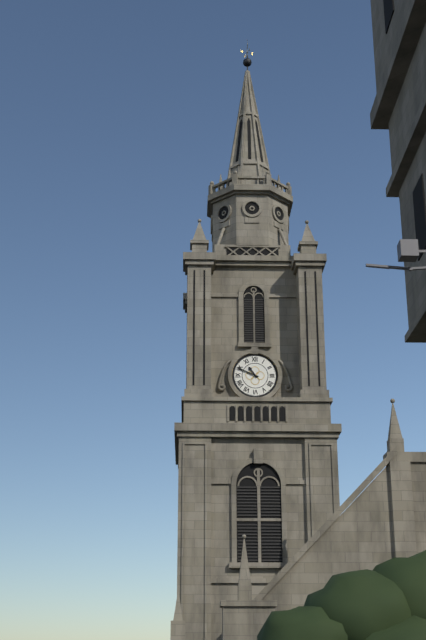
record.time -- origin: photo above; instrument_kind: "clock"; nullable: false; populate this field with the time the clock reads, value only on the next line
10:49
